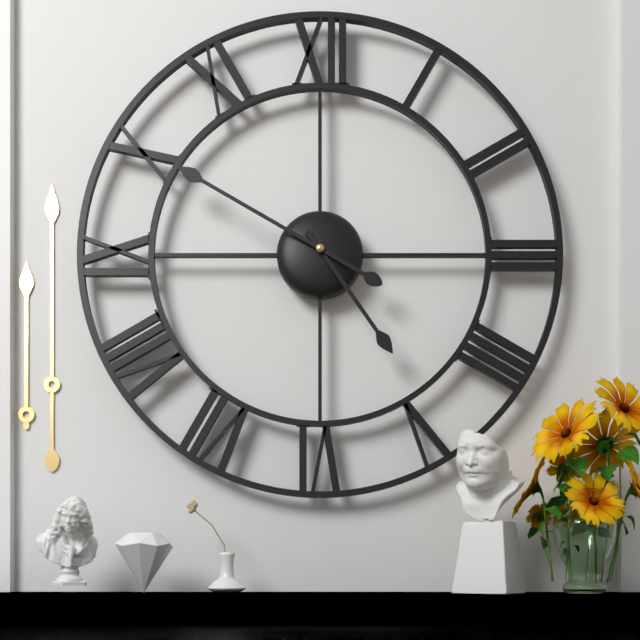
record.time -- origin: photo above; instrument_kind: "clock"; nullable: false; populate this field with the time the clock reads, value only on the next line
4:50
